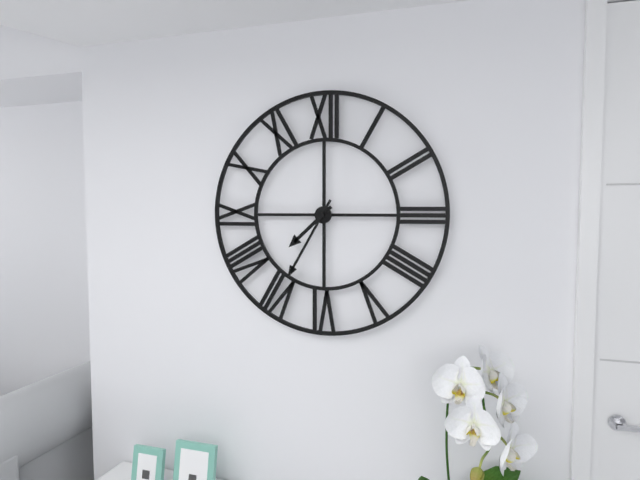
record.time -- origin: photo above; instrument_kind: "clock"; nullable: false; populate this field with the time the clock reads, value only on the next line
7:35
